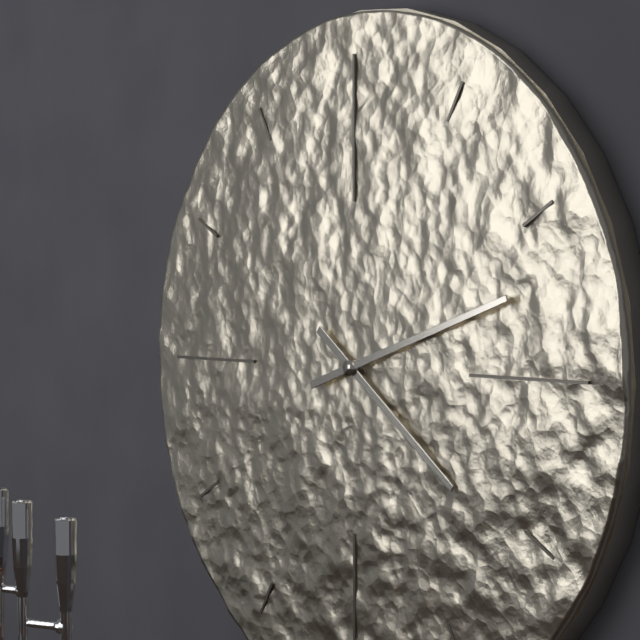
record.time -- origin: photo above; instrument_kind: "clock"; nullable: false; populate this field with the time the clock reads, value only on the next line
4:12
